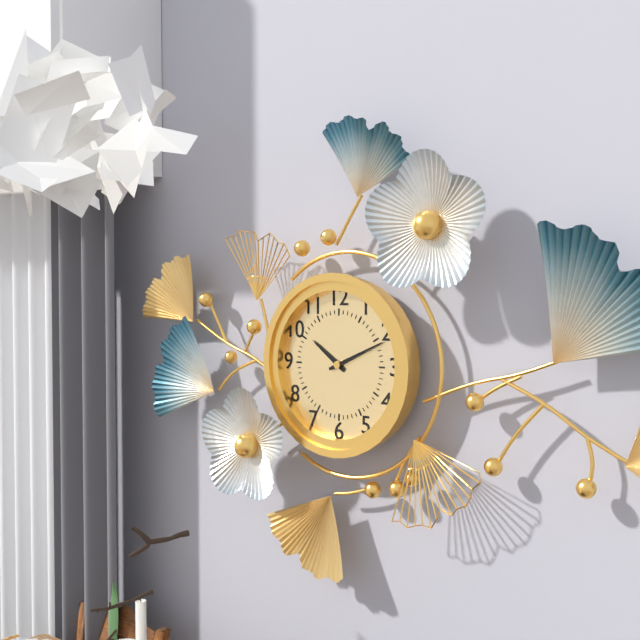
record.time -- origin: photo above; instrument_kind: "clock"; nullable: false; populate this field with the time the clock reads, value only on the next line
10:11
